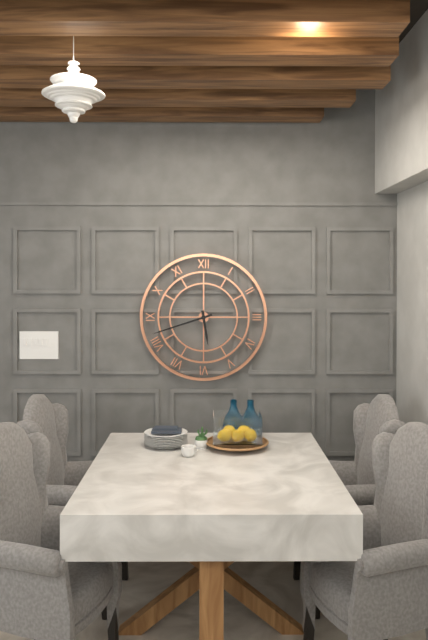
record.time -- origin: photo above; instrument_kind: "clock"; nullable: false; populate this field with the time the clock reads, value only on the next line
5:42
